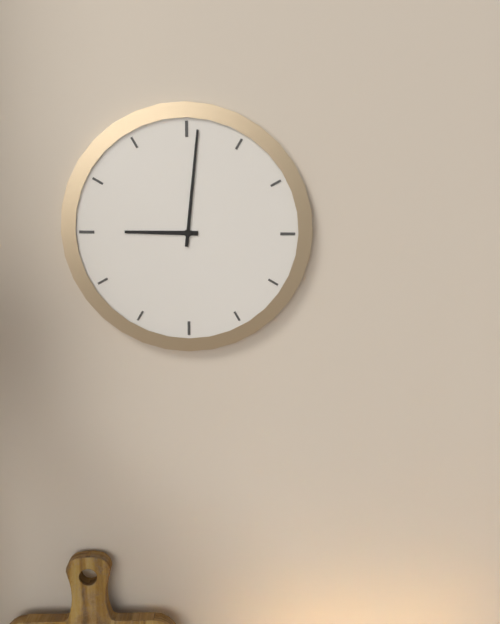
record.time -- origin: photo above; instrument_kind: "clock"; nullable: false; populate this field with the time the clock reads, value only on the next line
9:01
